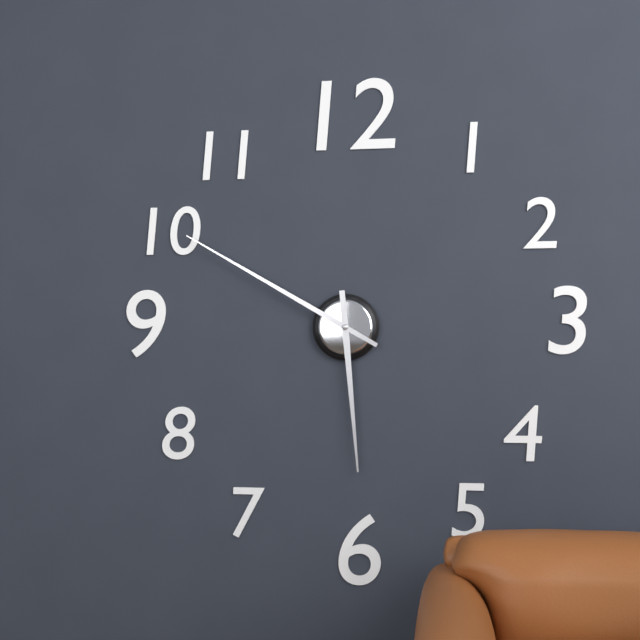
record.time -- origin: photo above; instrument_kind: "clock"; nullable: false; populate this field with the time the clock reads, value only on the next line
5:50
